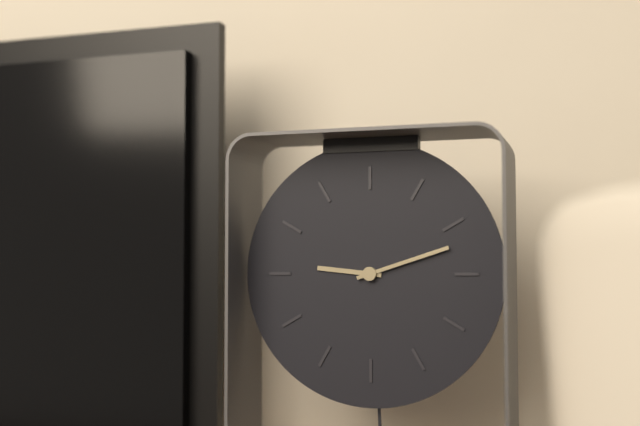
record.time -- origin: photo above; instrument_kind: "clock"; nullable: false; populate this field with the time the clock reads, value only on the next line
9:12
